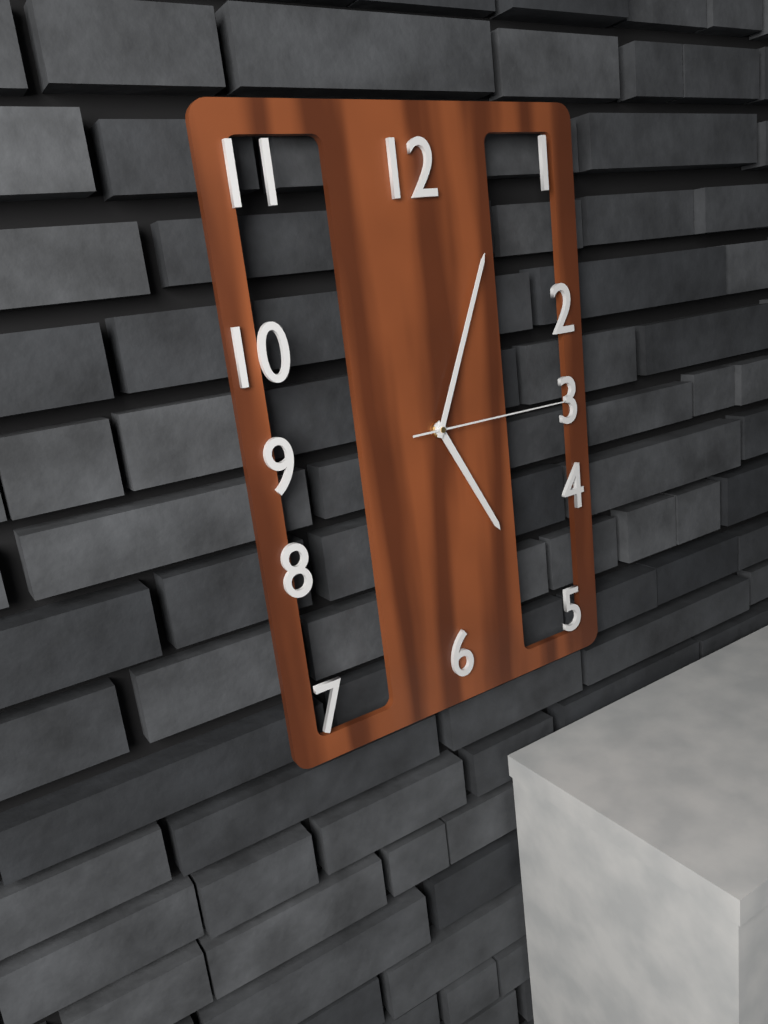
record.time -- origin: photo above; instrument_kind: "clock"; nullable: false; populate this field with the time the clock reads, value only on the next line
5:04:15
